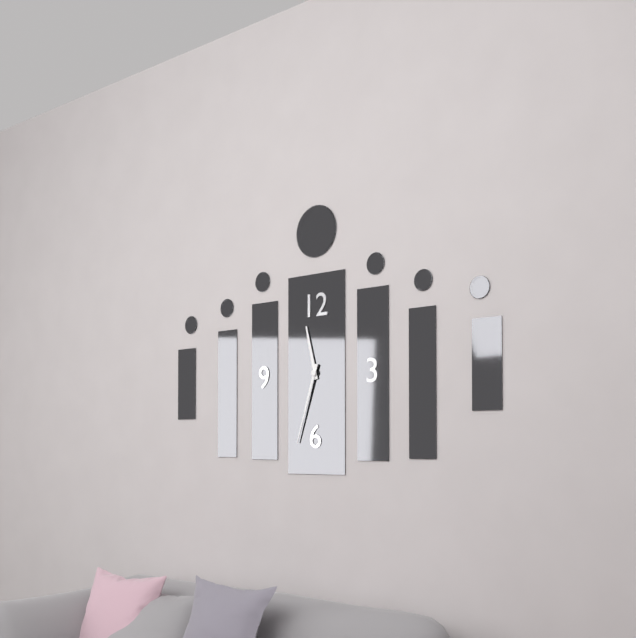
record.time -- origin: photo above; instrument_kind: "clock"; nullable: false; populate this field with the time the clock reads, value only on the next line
11:33
